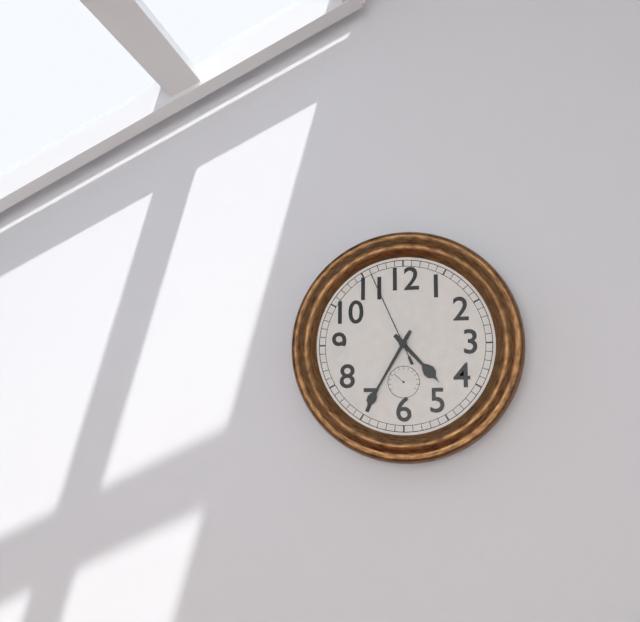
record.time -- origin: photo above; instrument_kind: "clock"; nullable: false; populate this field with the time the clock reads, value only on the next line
4:35:56
